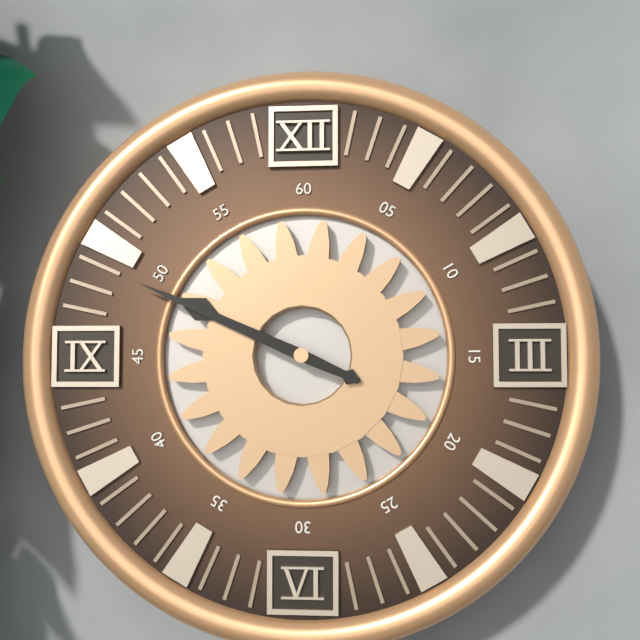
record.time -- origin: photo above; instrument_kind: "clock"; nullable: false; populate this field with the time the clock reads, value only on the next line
9:49
